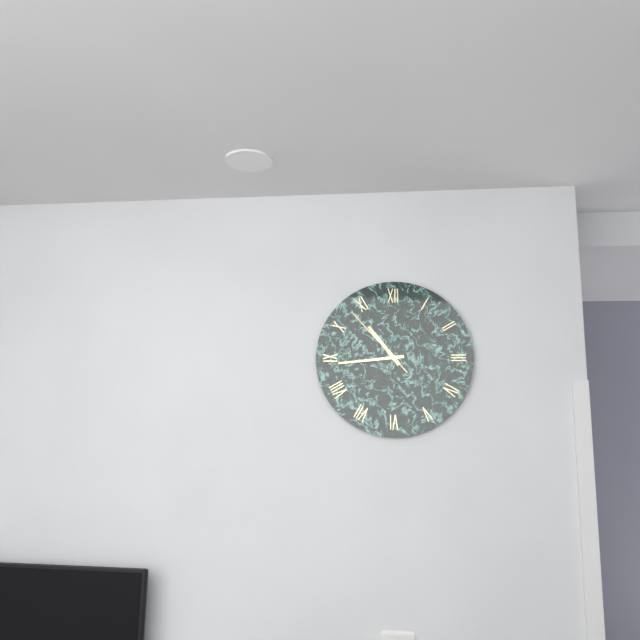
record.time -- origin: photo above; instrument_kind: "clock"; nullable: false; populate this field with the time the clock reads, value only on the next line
10:44:53
